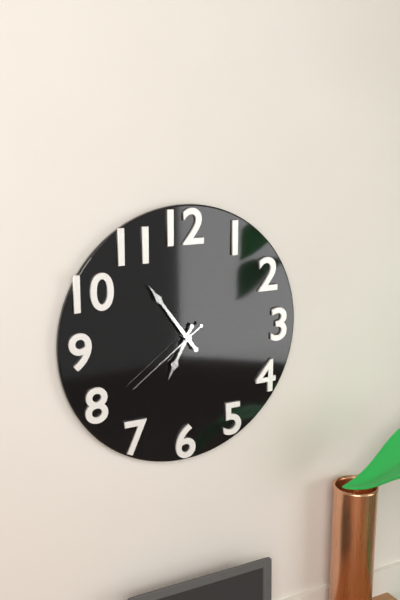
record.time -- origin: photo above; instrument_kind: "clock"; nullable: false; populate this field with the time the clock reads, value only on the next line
6:54:39
